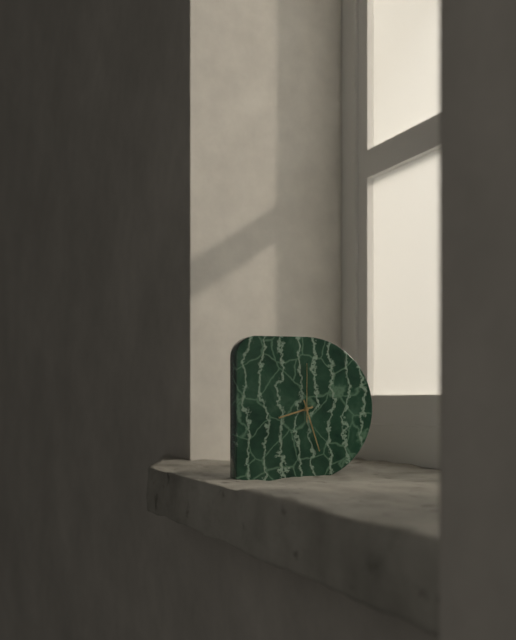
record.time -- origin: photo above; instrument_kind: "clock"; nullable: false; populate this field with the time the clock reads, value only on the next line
8:27:00
